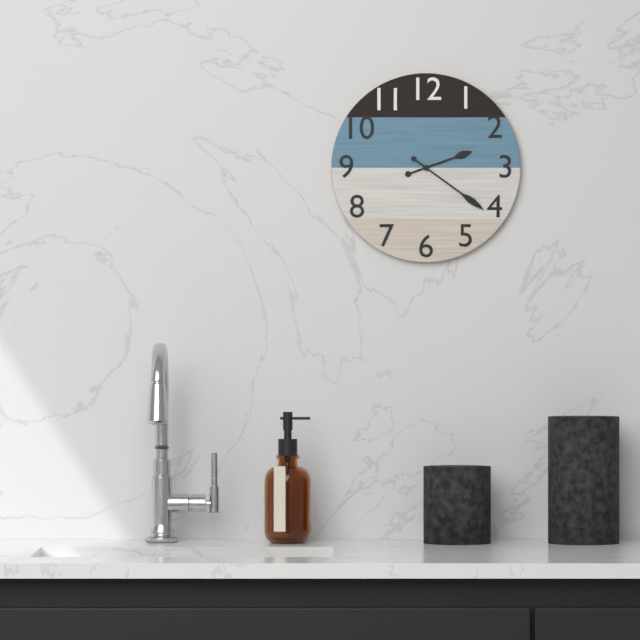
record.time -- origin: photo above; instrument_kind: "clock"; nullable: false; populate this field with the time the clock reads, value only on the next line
2:21
